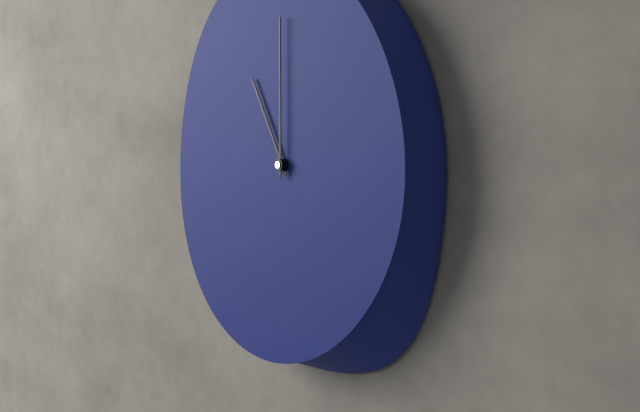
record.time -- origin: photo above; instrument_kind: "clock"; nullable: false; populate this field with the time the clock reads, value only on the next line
11:00
